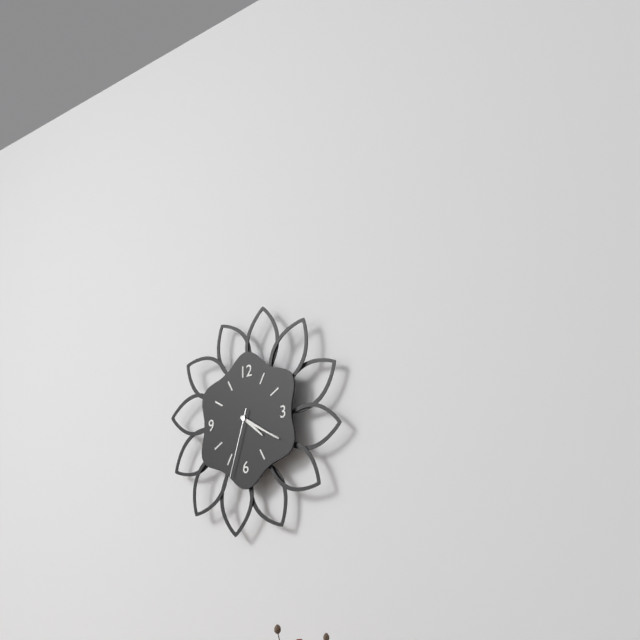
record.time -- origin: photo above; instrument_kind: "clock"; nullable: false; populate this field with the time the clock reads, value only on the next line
4:20:33
